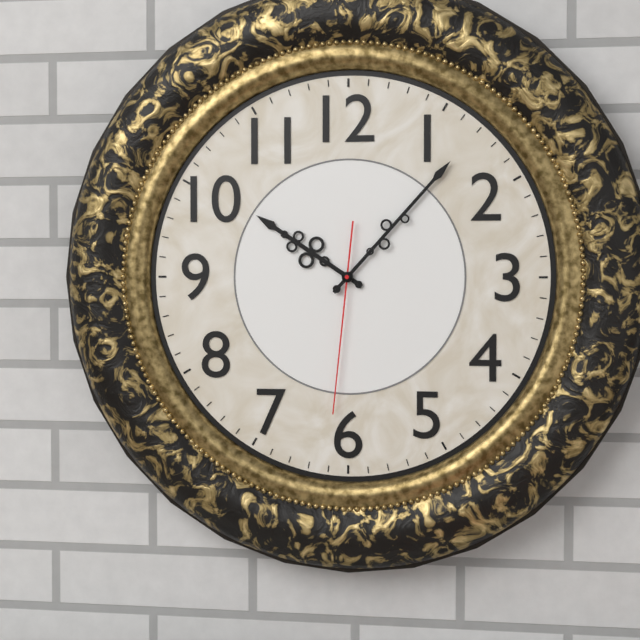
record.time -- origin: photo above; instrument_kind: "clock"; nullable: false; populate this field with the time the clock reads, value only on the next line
10:07:31
